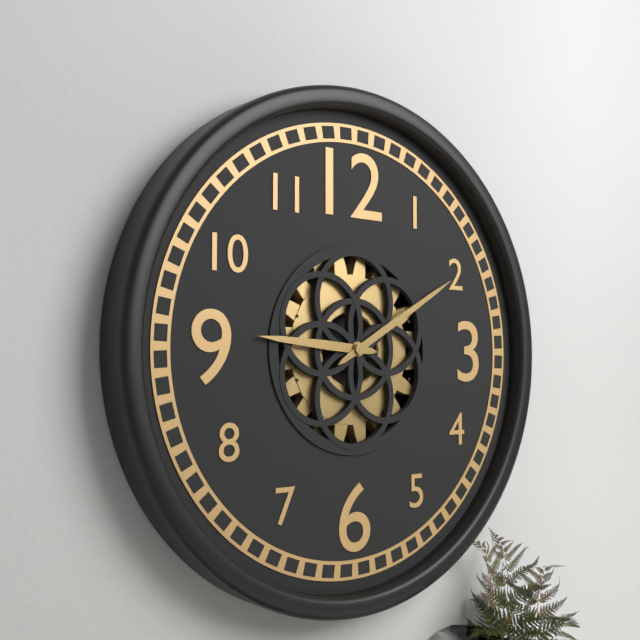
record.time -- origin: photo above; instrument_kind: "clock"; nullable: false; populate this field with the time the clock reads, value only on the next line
9:10
